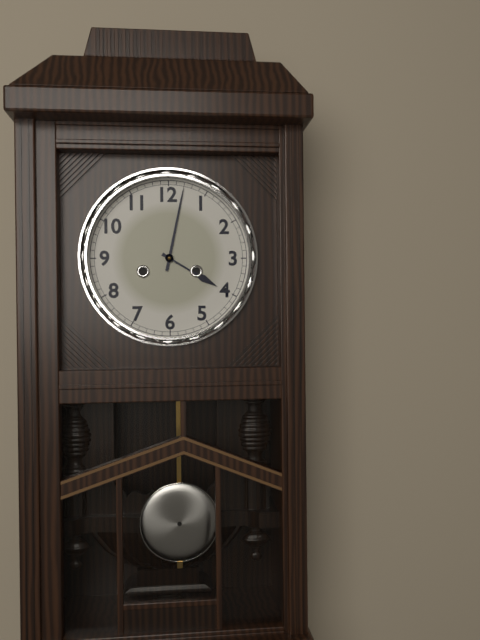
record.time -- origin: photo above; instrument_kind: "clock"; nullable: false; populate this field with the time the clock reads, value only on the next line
4:02
